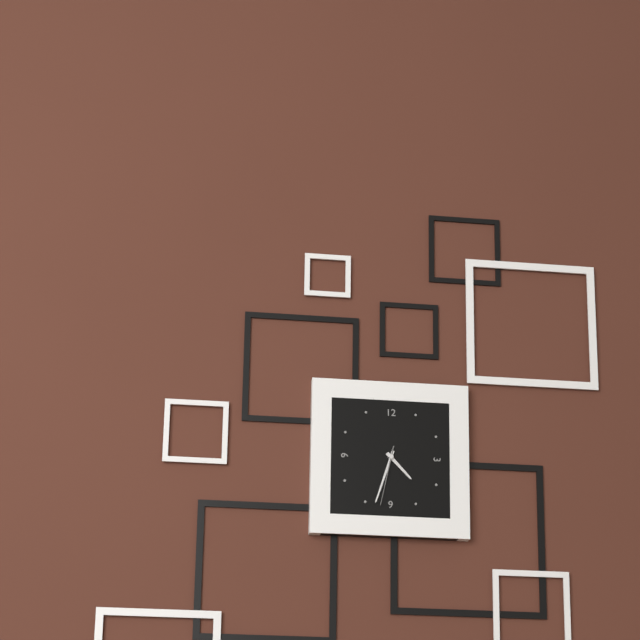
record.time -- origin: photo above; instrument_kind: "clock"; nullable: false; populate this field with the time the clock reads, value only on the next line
4:33:32
